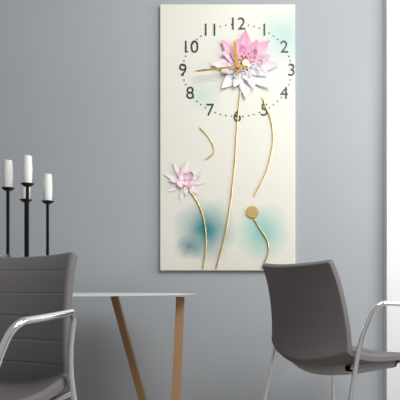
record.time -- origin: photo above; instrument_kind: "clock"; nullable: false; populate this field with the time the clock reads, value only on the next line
11:44
